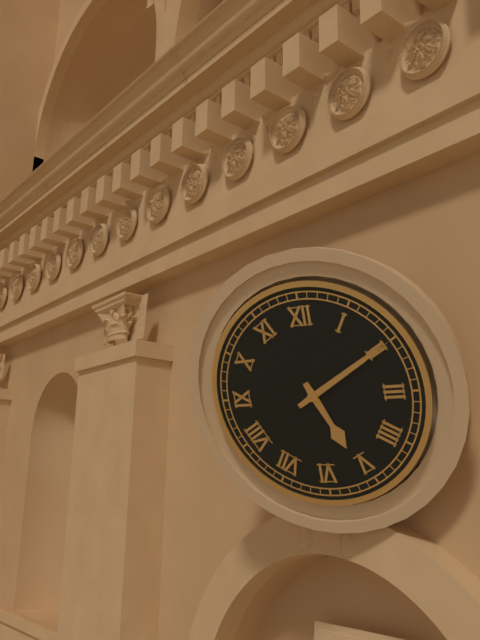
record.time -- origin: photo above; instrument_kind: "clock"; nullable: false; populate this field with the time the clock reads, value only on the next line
5:10
